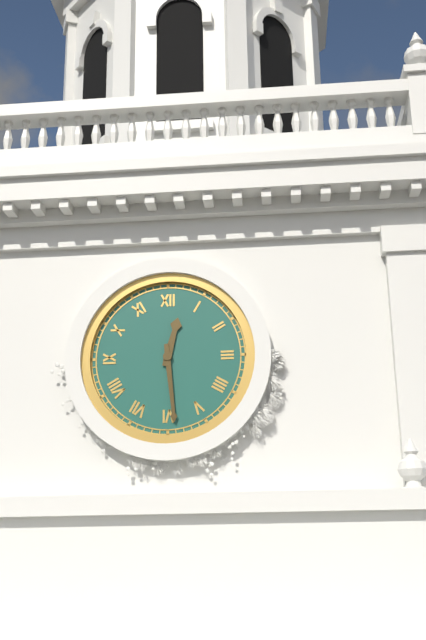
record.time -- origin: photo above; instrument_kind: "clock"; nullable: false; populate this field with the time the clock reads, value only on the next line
12:29
